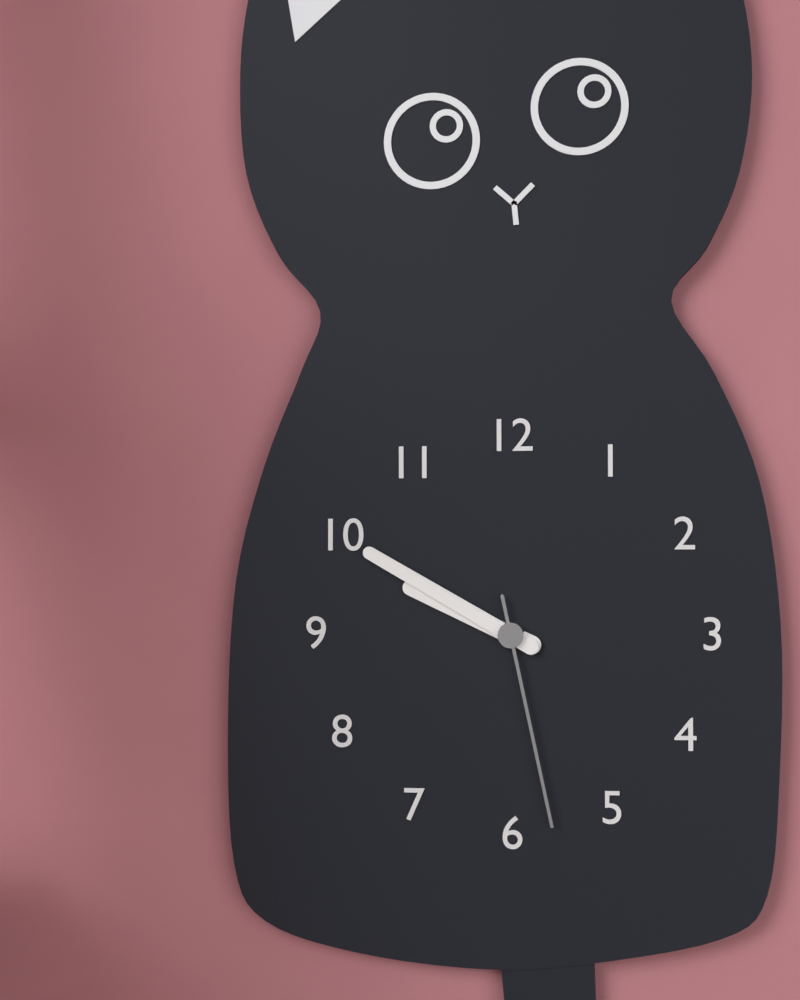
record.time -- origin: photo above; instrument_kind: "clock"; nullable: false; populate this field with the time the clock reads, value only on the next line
9:50:28
